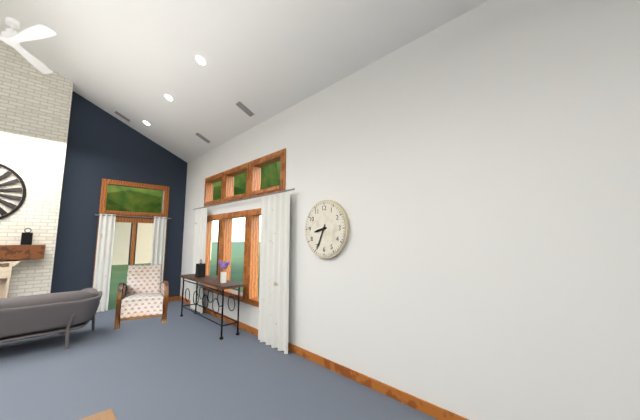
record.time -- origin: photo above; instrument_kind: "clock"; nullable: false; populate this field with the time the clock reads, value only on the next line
8:34
